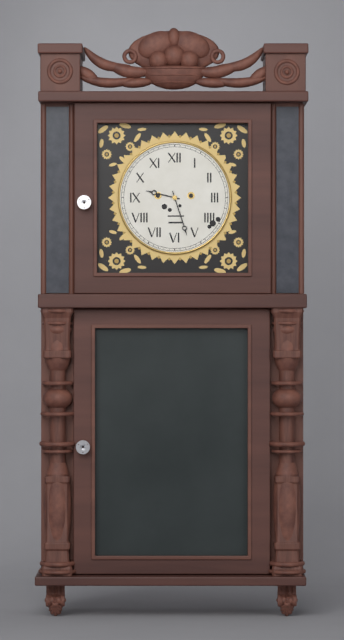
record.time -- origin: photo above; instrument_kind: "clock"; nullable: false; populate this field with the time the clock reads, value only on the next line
9:27
